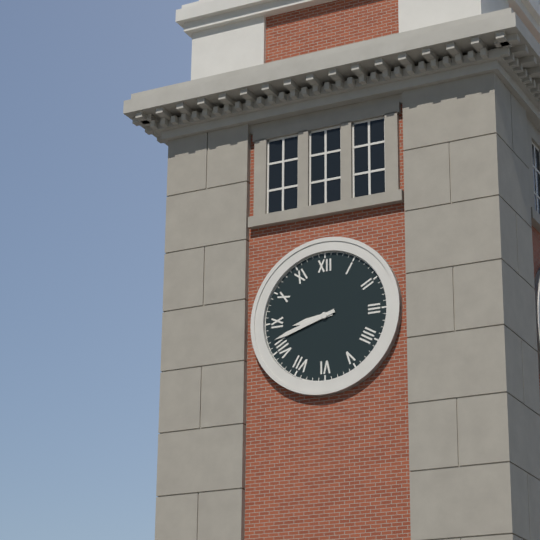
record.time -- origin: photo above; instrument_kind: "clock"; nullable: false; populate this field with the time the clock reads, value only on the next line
8:42
